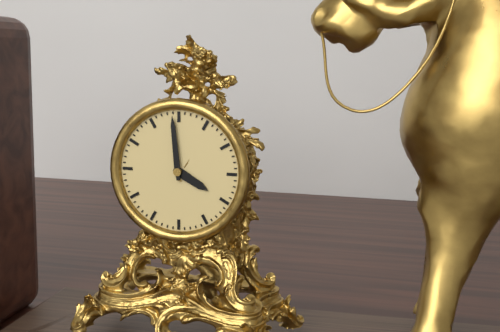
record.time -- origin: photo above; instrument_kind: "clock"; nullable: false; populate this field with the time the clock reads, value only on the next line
3:59
